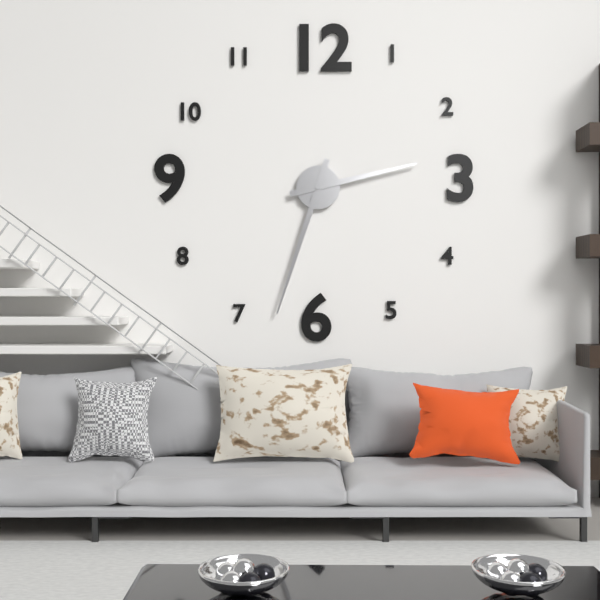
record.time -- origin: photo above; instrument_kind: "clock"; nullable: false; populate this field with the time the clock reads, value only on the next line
2:33
